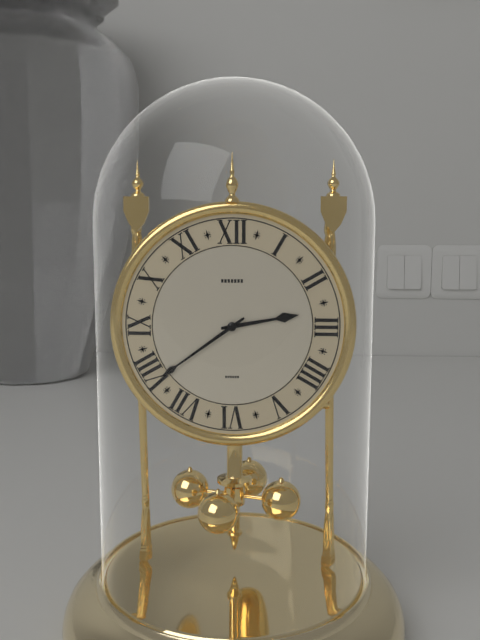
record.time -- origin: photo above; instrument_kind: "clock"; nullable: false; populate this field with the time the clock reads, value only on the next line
2:39
